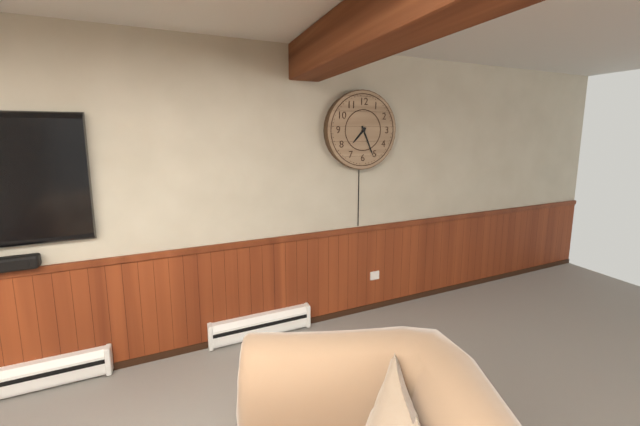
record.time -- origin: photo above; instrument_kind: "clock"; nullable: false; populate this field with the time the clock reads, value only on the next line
7:26
